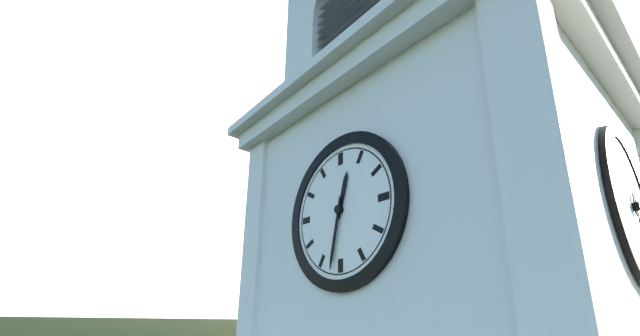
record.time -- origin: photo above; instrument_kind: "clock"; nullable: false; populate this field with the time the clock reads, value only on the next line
12:32
